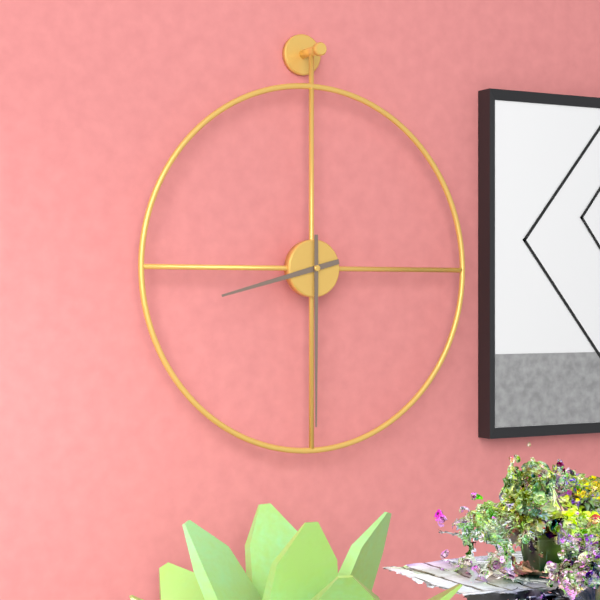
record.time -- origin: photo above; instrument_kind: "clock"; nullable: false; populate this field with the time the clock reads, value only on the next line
8:30
